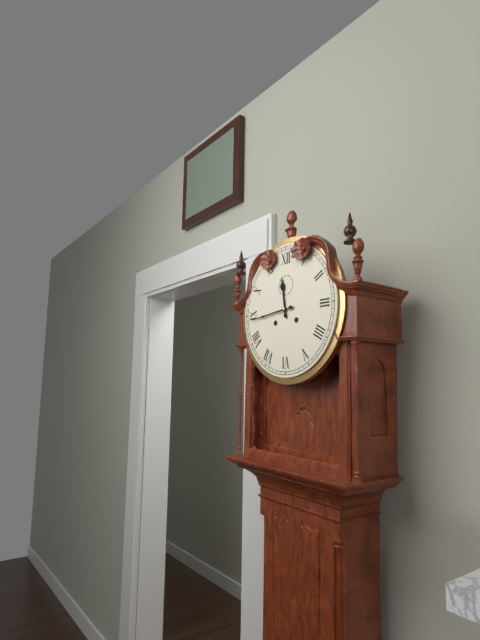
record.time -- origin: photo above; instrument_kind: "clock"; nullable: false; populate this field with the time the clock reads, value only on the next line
11:44
